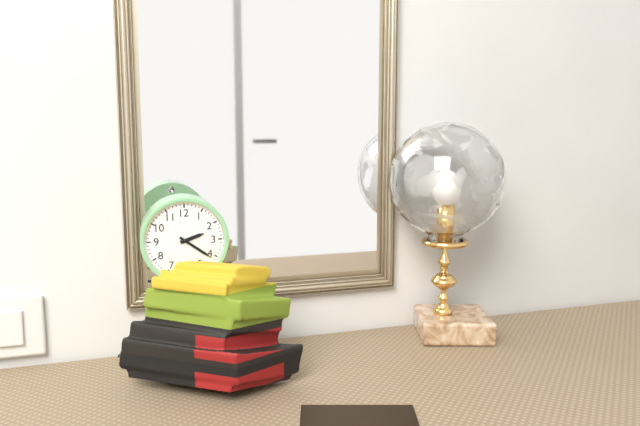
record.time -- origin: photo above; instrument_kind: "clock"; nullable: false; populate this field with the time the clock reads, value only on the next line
2:21
